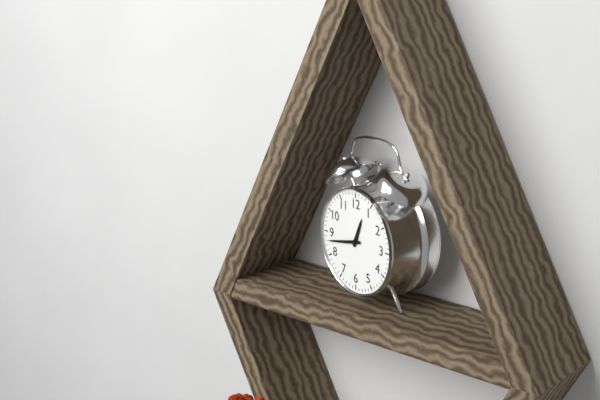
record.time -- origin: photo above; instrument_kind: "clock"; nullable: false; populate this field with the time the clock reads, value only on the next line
12:43
